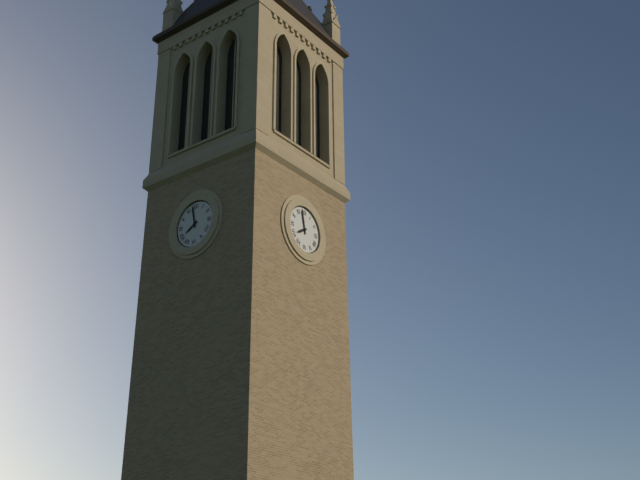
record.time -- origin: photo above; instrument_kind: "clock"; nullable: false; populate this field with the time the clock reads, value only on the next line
7:58
